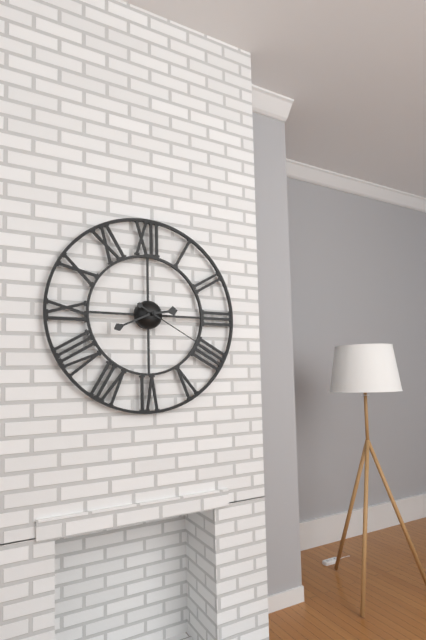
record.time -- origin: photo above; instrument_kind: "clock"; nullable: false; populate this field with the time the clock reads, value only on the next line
2:41:20
